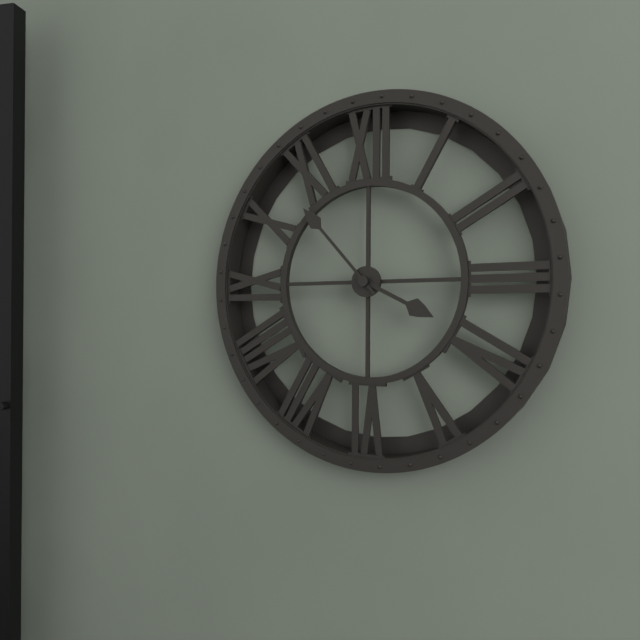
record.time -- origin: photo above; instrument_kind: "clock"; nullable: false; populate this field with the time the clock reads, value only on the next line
3:53
